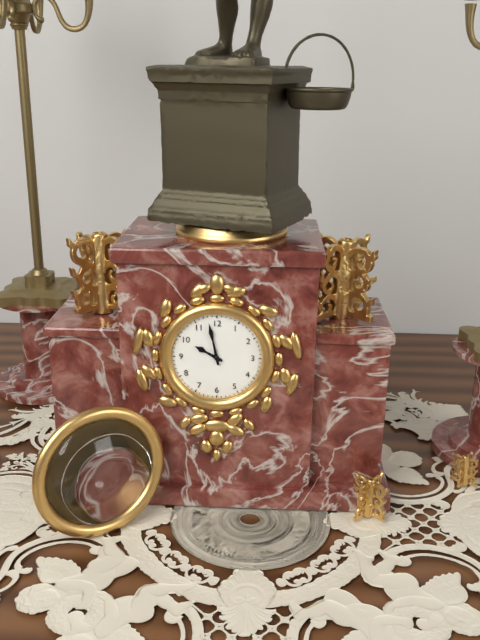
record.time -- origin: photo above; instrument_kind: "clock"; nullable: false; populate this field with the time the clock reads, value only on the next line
9:58
